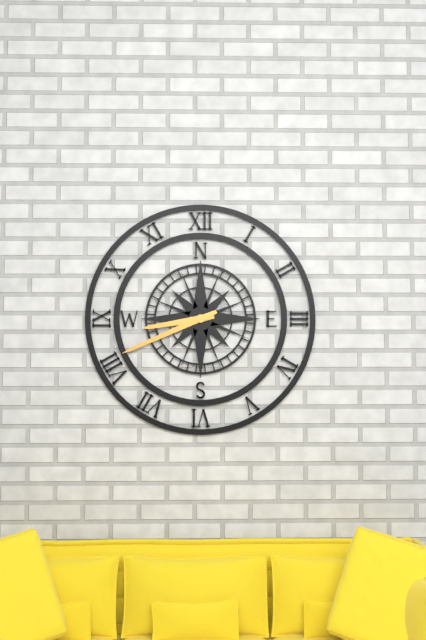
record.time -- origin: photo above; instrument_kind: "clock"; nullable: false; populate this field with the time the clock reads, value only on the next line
8:41
